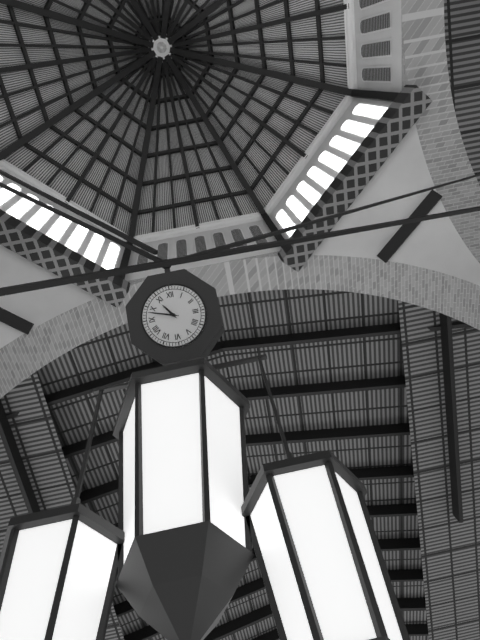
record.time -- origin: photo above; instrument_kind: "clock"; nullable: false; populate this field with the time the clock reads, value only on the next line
10:48
